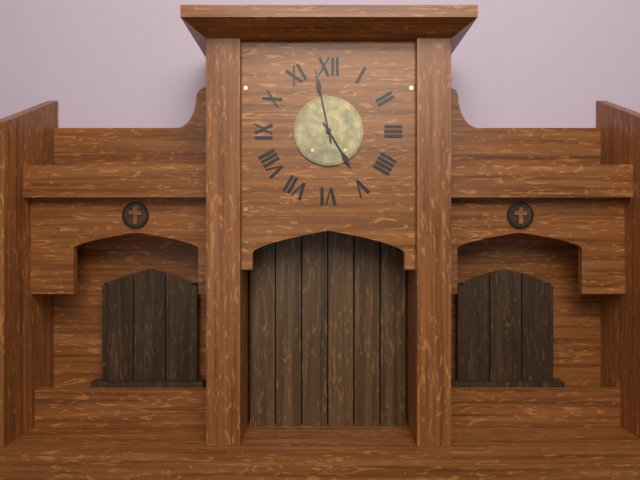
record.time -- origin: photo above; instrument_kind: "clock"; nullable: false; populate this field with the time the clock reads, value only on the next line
4:58
